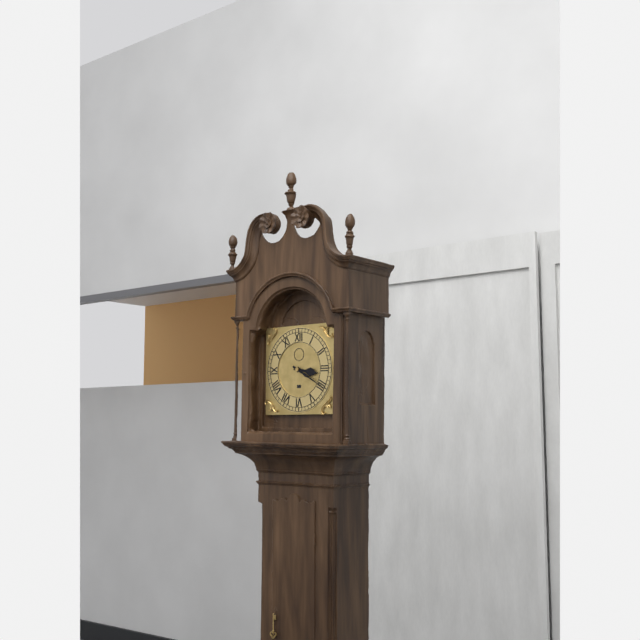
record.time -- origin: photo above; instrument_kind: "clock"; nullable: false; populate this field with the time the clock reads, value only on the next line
3:20
